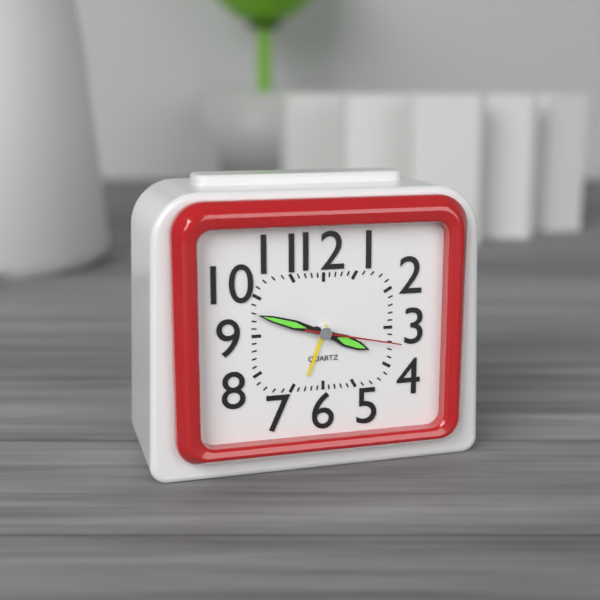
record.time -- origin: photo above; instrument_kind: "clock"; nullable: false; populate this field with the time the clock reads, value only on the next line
3:48:17
